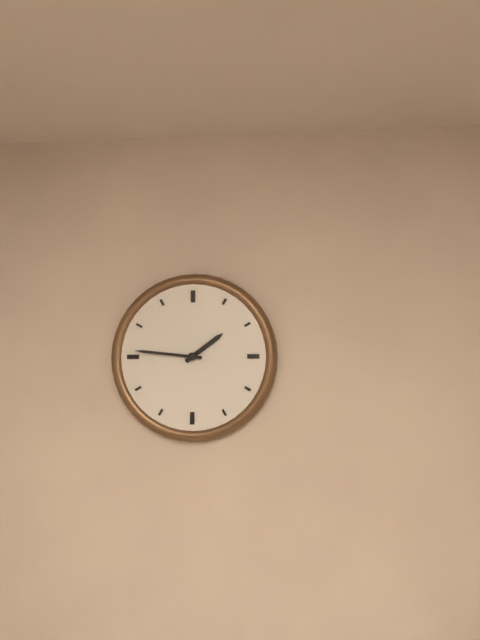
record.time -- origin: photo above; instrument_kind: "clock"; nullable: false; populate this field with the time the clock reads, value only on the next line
1:46
